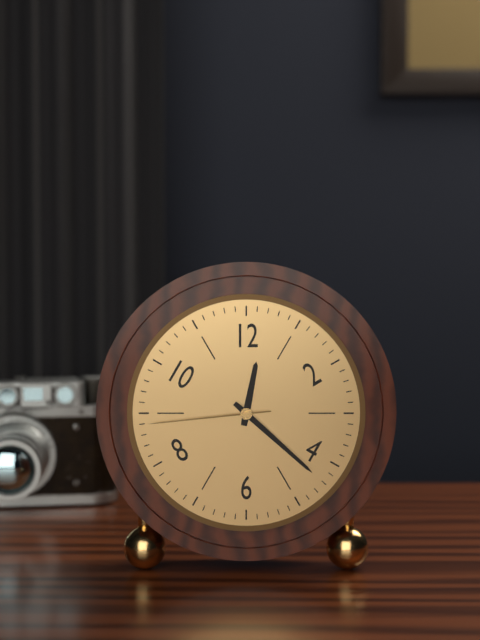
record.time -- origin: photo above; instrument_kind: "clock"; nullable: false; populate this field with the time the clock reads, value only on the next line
12:22:44
